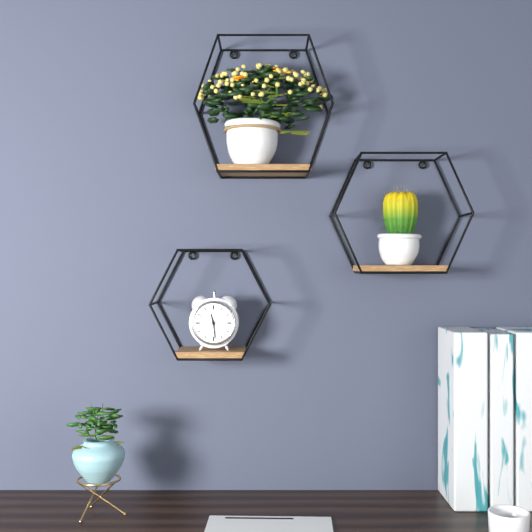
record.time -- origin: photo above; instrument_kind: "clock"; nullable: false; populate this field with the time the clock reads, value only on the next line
11:29
